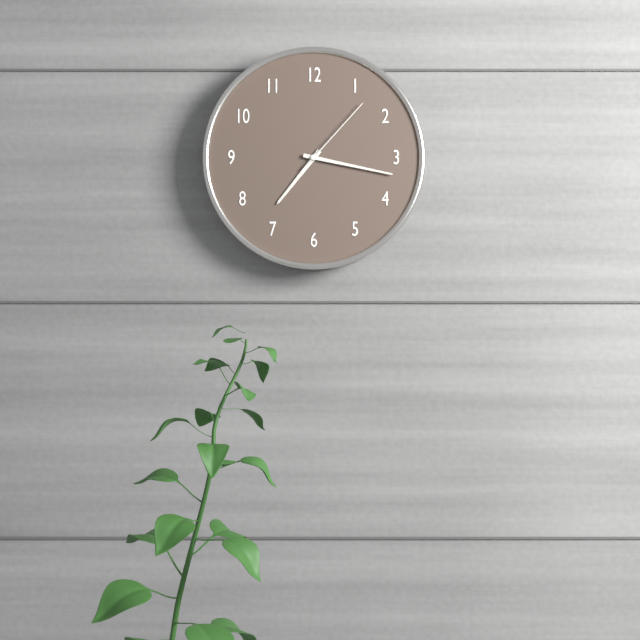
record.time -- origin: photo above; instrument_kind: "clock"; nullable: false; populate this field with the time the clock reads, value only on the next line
7:17:07
